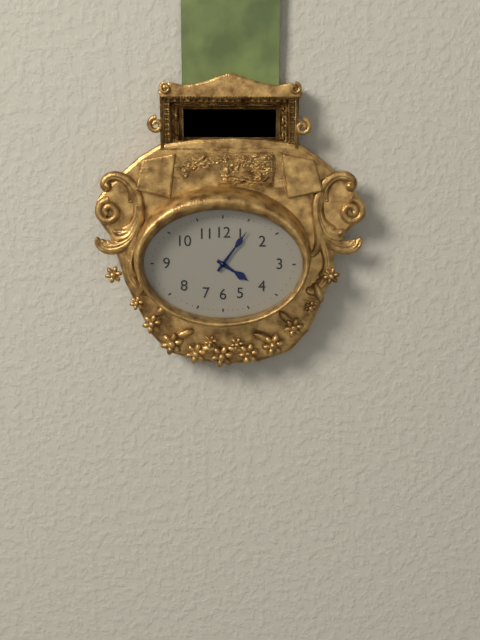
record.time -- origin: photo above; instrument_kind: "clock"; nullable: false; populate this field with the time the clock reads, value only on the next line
4:06
